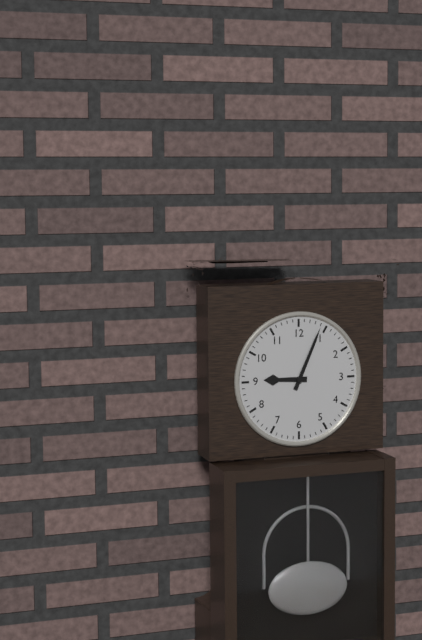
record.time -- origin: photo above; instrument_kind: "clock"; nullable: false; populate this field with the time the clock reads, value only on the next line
9:04
